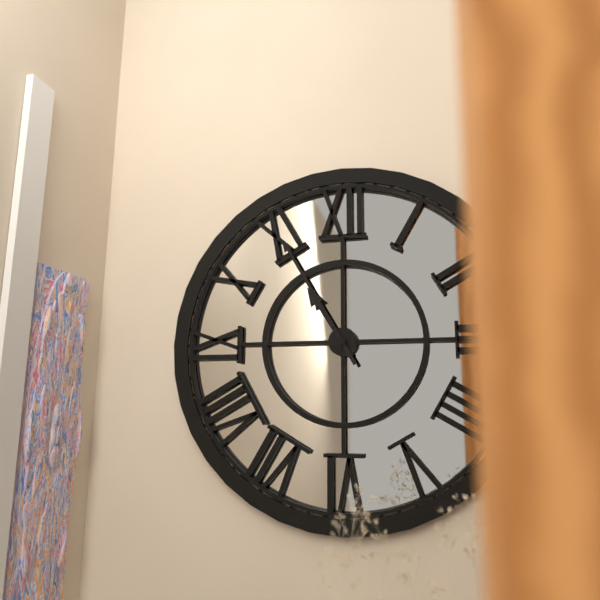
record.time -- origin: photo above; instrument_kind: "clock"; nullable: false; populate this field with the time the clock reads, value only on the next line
10:55
